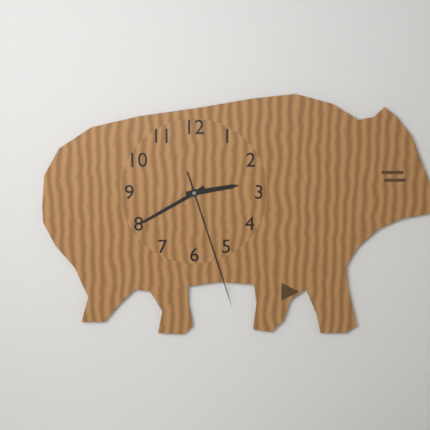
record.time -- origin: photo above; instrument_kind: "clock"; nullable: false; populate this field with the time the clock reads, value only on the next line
2:40:27
